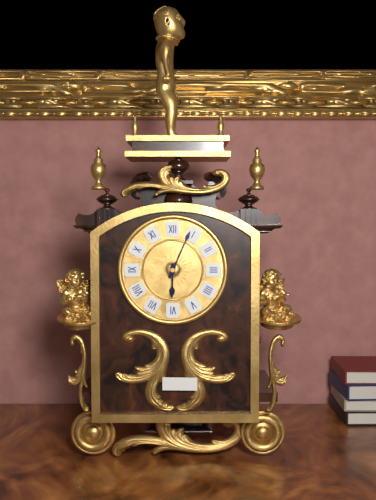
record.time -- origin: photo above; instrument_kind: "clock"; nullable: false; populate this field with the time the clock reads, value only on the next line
6:04
